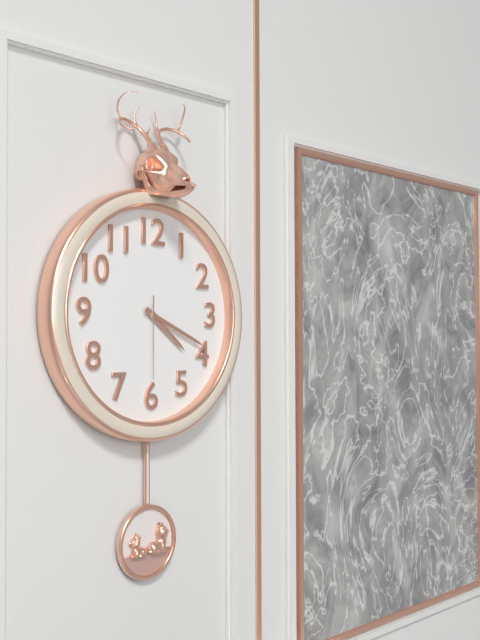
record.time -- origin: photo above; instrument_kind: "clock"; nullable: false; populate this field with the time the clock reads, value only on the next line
4:19:30
